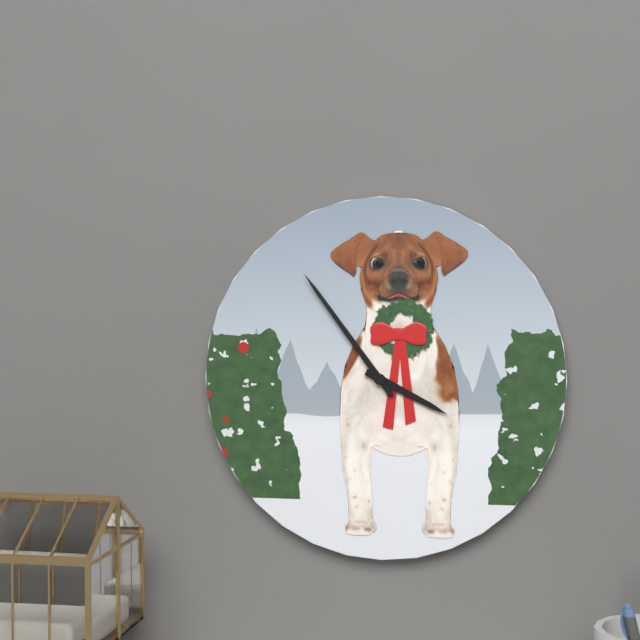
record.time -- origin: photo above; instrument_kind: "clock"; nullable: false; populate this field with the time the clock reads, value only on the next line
3:54
